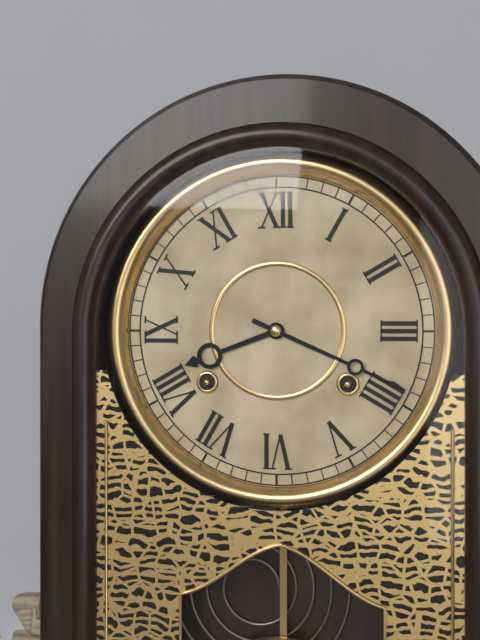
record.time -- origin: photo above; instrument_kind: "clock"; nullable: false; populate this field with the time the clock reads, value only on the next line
8:19
